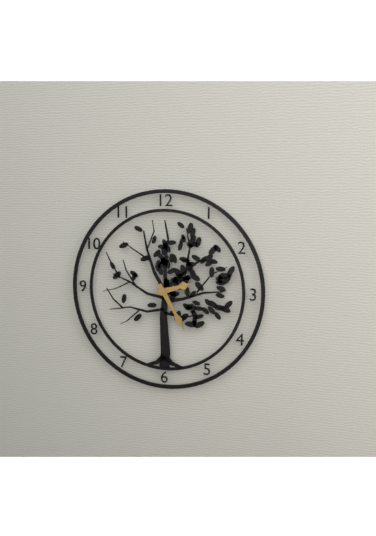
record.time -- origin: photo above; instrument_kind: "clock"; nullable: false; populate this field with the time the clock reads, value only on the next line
2:25
